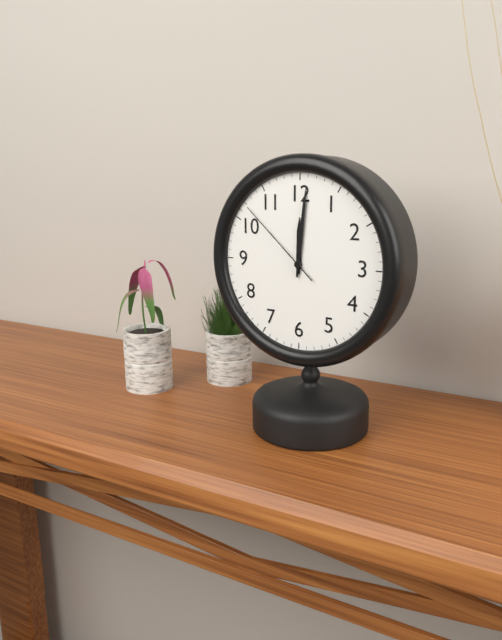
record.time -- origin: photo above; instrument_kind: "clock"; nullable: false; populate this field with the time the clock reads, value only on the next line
12:01:52
